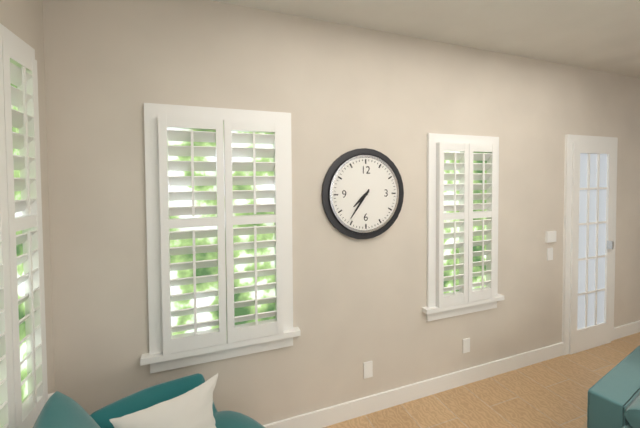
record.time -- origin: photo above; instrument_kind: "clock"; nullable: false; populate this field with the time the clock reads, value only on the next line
7:36
